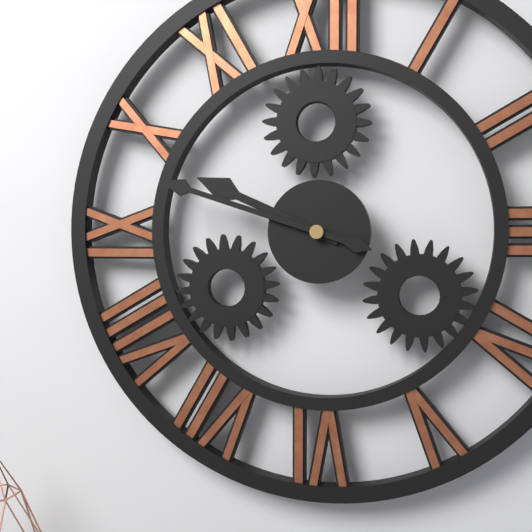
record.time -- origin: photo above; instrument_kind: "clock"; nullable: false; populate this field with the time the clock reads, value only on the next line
9:48
